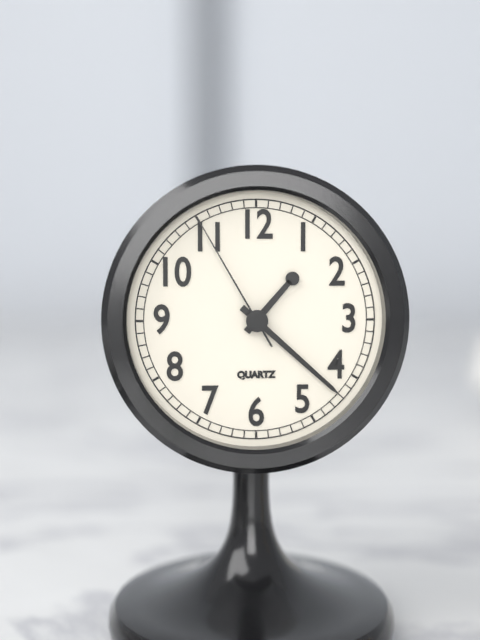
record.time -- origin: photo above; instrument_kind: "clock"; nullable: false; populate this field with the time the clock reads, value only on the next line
1:22:55
